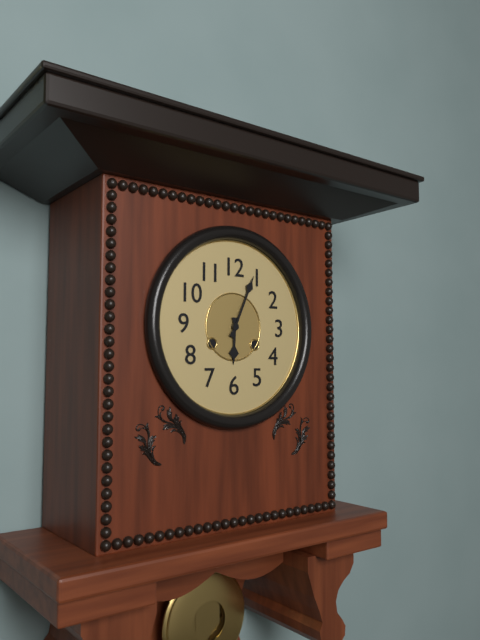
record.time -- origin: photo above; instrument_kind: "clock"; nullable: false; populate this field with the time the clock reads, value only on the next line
6:04
